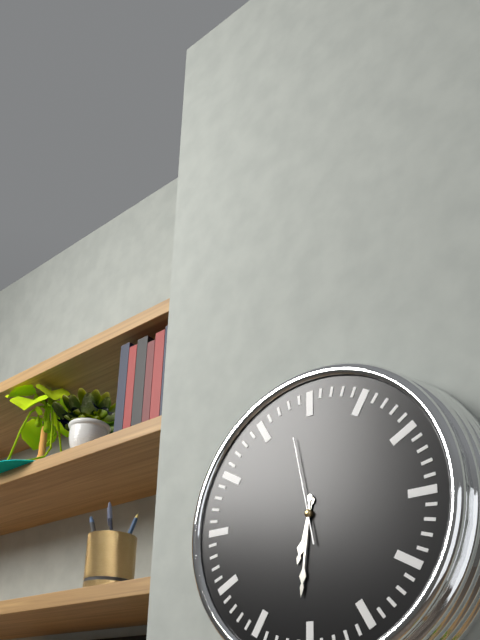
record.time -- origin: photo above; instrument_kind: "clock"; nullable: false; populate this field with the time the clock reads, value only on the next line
6:31:58
